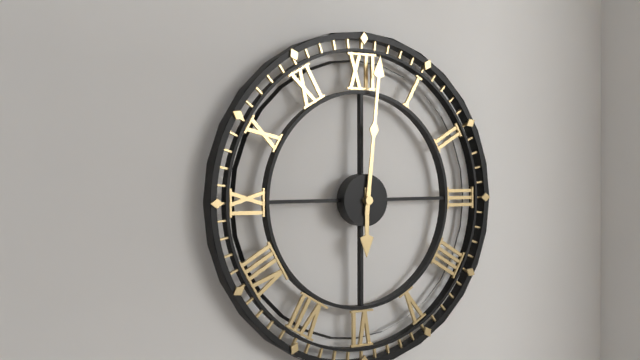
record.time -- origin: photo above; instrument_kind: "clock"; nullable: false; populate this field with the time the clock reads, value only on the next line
6:01
